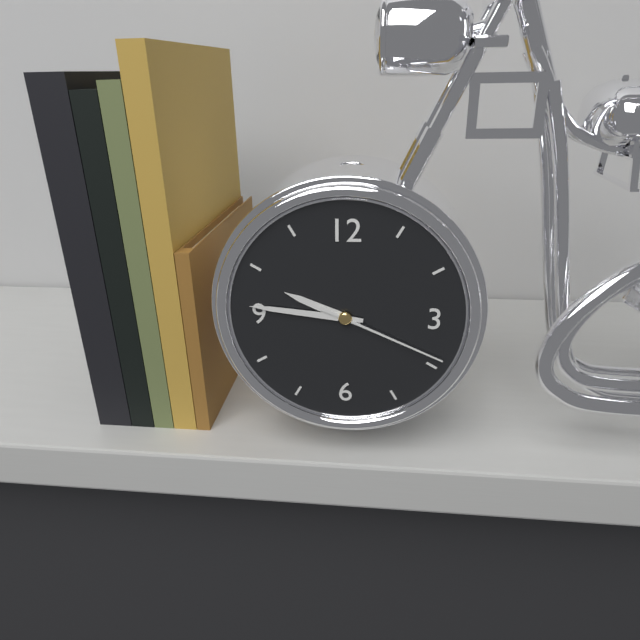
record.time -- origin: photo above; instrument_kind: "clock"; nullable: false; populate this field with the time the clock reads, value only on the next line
9:46:19
